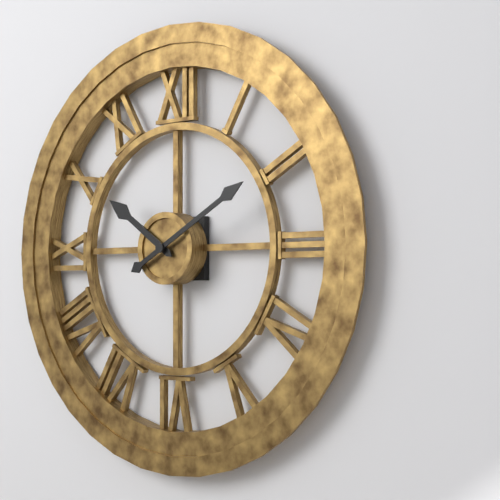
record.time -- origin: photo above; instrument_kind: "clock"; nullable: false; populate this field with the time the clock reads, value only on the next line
10:10
